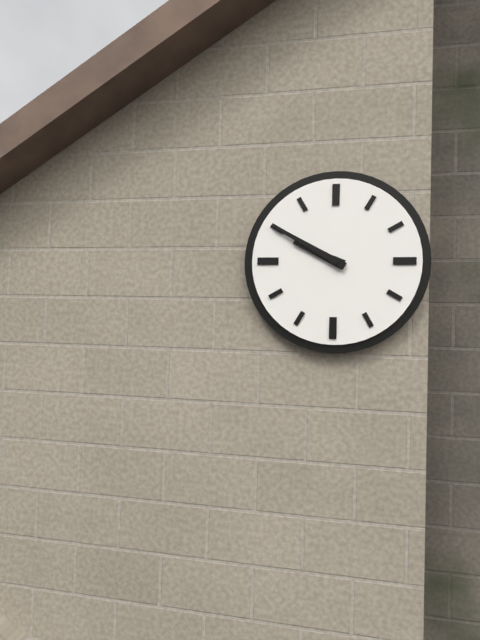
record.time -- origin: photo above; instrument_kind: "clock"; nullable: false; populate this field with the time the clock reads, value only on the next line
9:50
